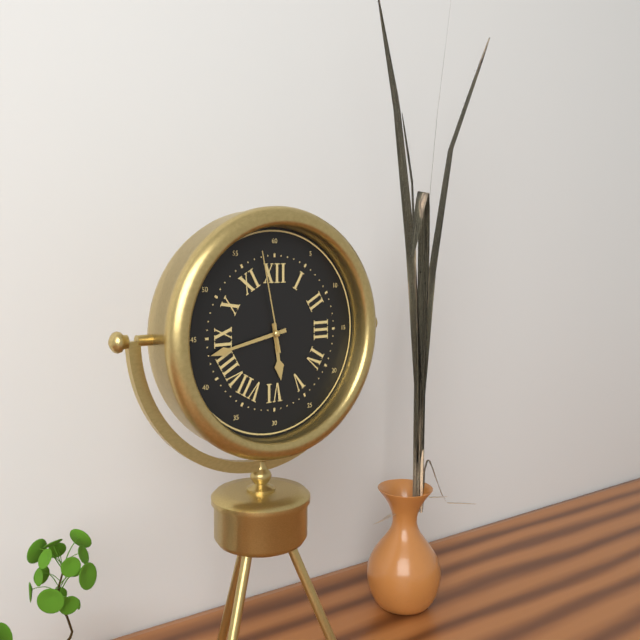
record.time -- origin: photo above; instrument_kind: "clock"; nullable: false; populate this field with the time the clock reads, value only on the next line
5:43:58
